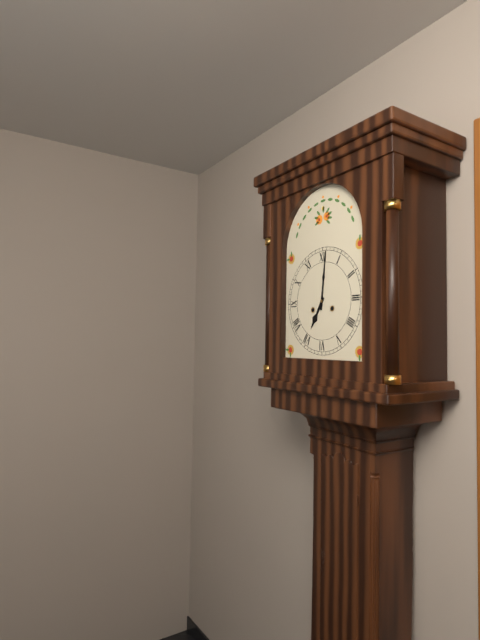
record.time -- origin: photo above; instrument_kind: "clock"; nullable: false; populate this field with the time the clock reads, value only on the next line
7:01
